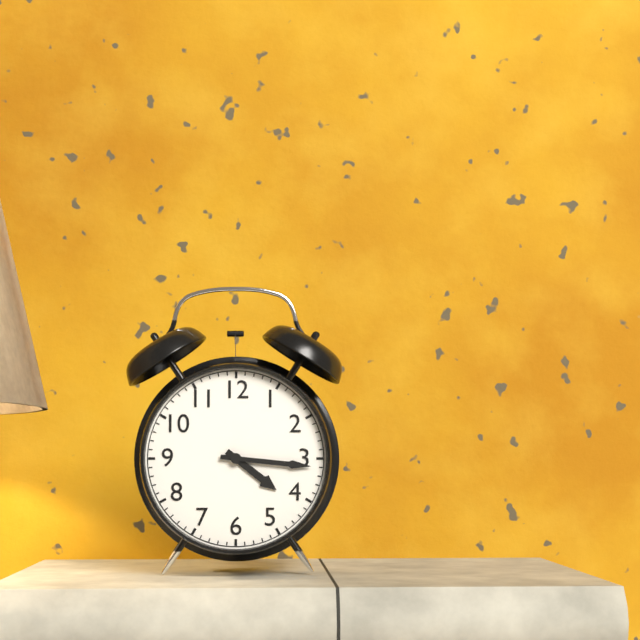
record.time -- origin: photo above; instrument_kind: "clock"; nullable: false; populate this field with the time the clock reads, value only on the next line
4:16
